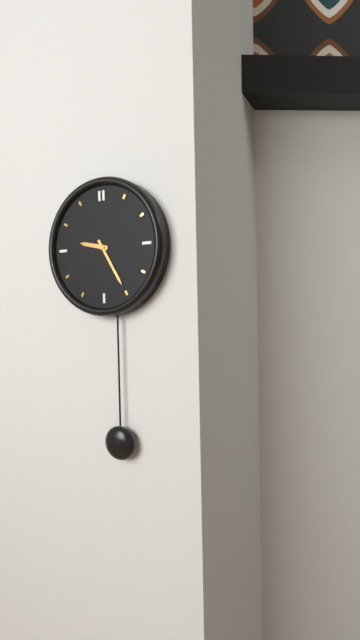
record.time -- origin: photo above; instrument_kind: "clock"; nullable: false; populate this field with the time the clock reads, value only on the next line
9:25
